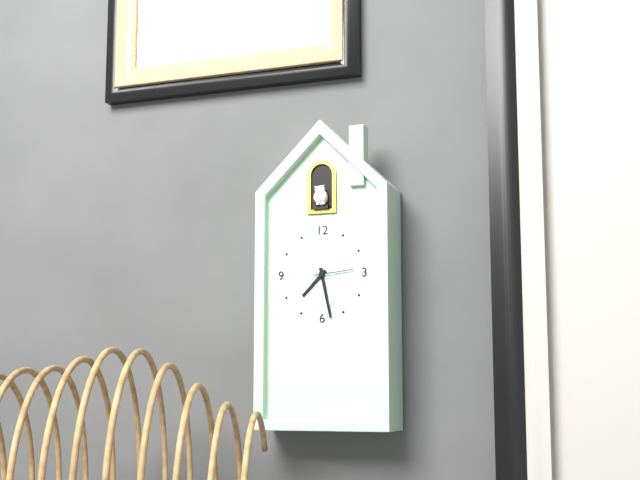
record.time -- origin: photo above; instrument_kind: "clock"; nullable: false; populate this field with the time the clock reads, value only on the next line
7:28
